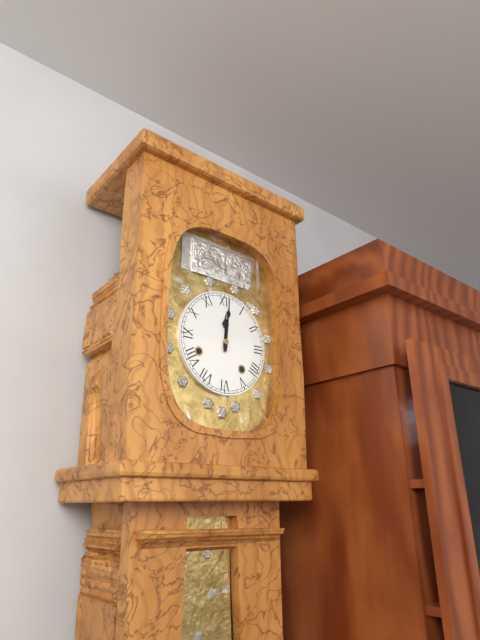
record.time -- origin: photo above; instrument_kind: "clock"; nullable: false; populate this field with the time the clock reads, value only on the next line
12:01
